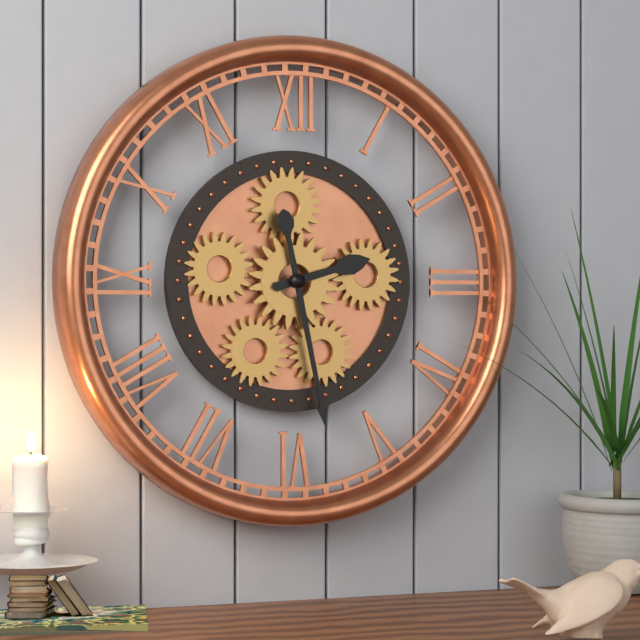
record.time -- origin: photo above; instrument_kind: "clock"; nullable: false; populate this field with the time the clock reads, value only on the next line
2:28
